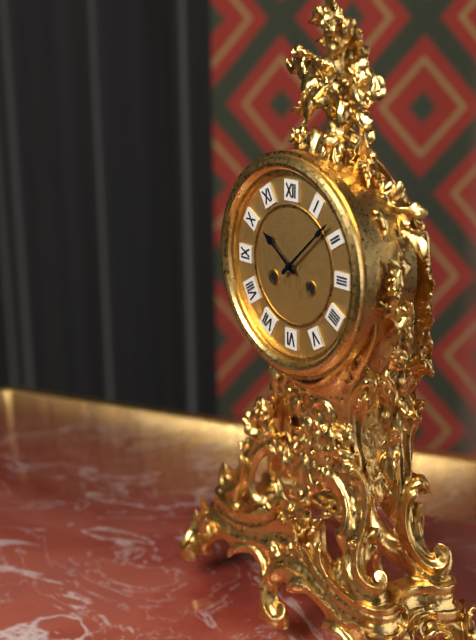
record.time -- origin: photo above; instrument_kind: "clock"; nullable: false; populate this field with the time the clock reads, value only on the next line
10:08
